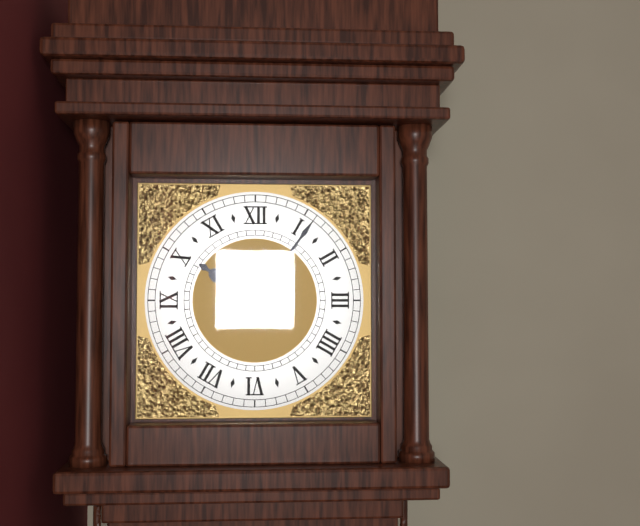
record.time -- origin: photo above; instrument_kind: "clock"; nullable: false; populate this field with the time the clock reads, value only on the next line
10:06
